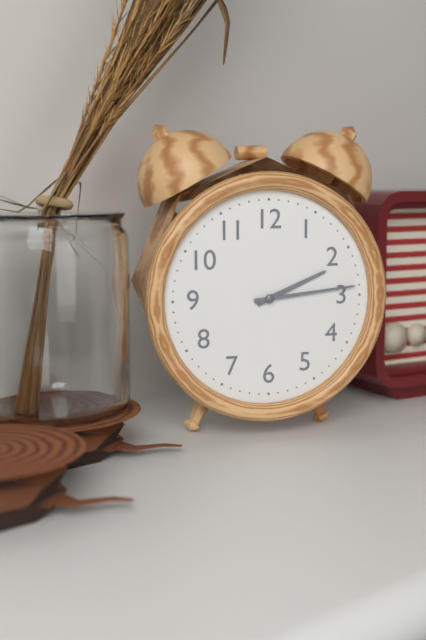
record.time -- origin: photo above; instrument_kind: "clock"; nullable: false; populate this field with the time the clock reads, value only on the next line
2:14
